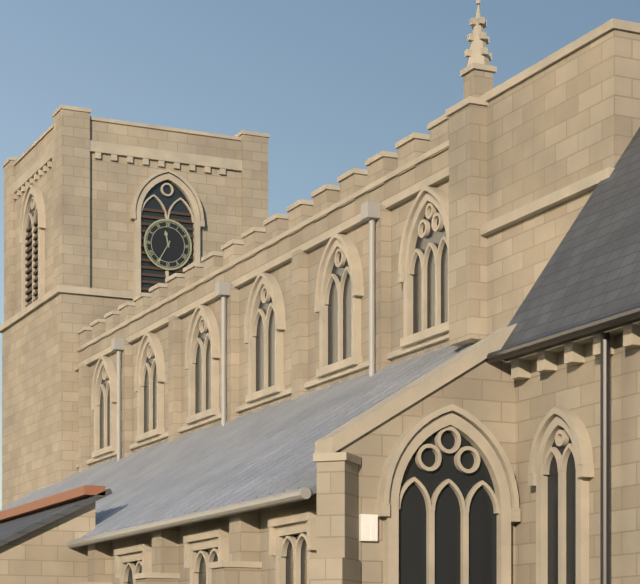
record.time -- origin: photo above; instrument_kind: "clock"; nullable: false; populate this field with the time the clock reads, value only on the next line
11:35
